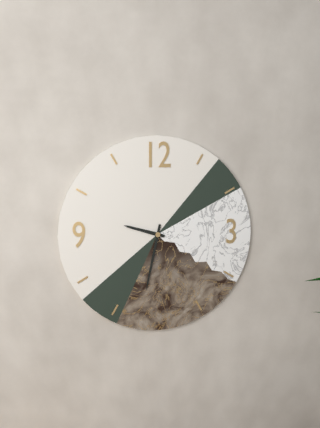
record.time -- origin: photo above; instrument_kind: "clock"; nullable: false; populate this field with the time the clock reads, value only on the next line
9:32
